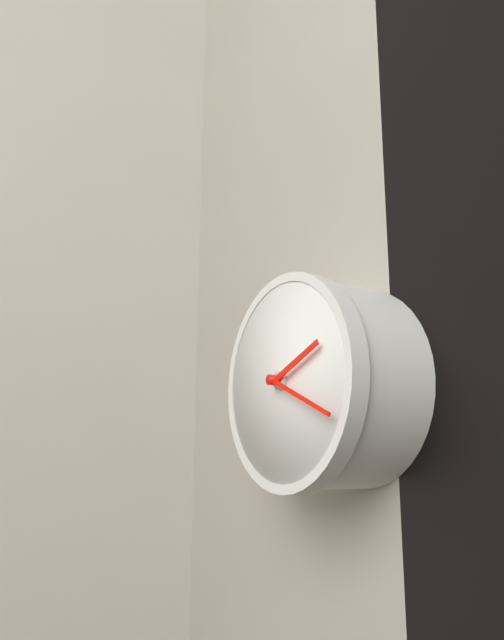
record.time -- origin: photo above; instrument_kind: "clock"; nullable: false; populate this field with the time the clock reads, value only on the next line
2:19
